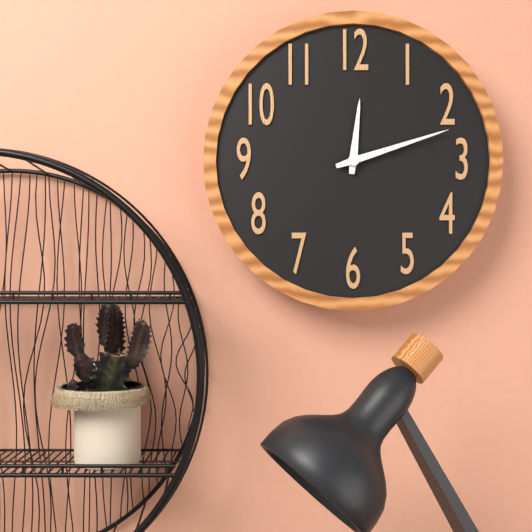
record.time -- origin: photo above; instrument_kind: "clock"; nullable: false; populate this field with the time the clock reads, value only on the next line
12:12
